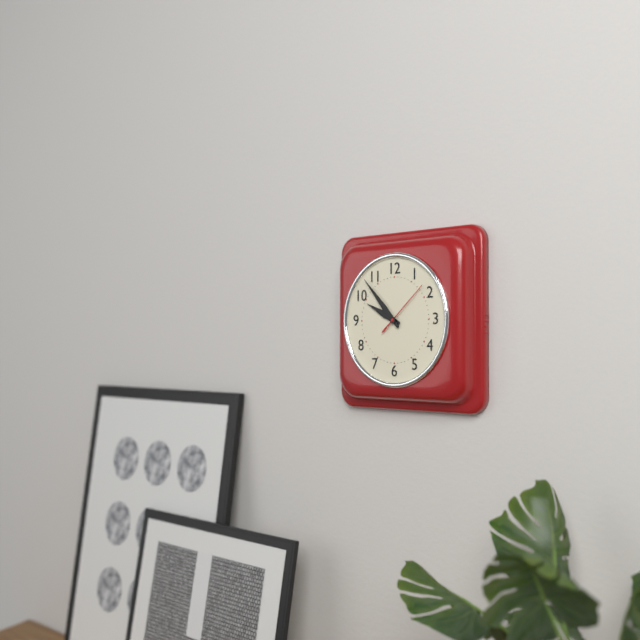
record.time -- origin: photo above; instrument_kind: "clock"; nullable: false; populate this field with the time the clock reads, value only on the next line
9:53:08
